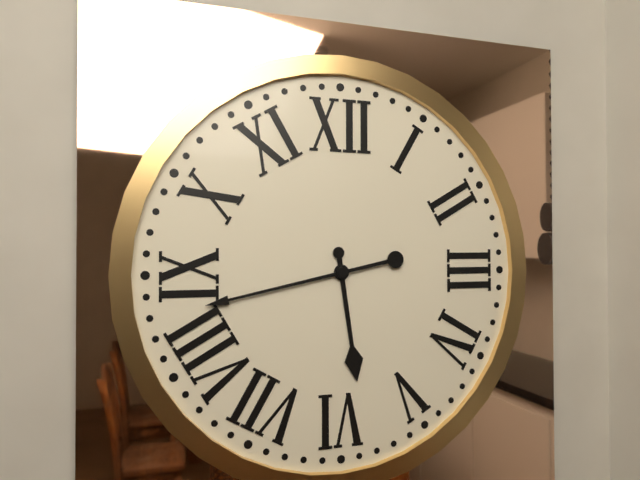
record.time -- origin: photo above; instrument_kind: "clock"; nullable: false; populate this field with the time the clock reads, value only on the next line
5:43
